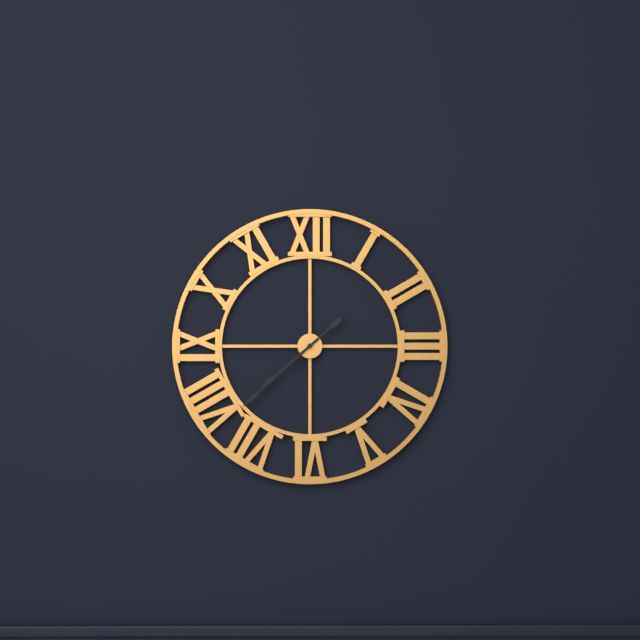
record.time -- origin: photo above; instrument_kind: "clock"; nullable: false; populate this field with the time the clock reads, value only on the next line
7:38
